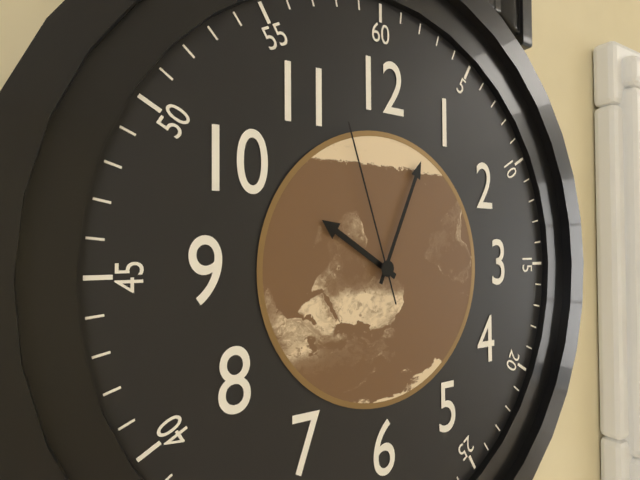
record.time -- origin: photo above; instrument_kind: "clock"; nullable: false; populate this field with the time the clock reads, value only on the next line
10:04:57
